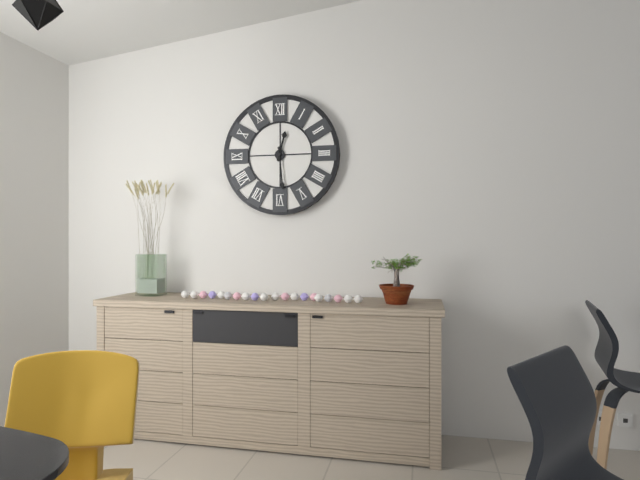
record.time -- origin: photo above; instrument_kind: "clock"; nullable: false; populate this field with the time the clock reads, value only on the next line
12:29
